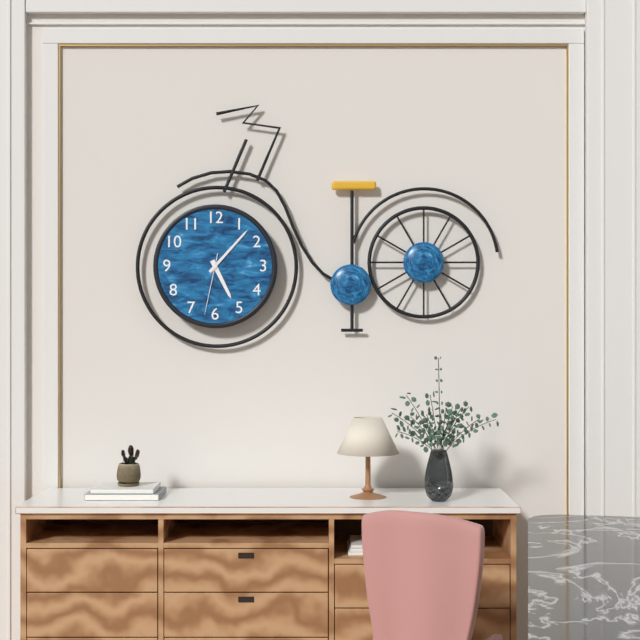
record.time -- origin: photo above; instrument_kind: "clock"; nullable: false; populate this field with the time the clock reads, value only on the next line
5:07:32
